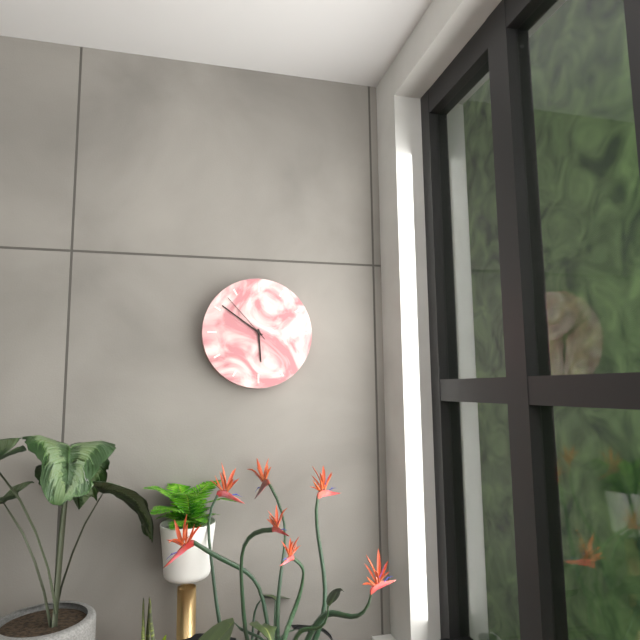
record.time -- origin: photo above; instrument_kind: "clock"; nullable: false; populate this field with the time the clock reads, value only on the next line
5:51:53
